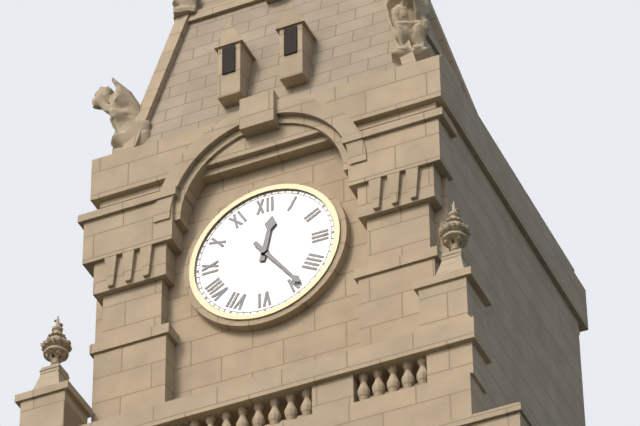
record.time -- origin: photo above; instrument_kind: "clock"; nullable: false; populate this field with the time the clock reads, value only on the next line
12:24
